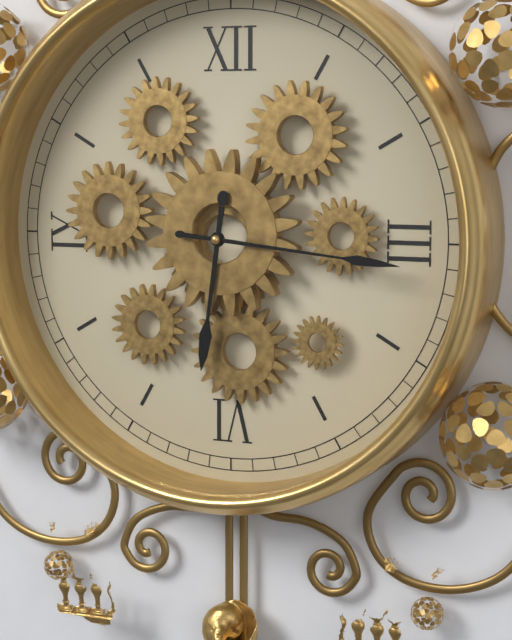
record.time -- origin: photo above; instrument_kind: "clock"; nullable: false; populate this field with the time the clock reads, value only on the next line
6:16
